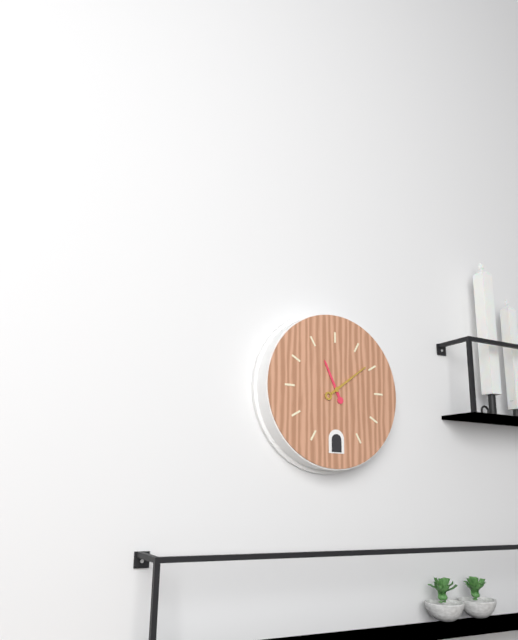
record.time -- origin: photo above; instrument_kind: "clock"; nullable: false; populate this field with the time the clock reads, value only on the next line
11:09
